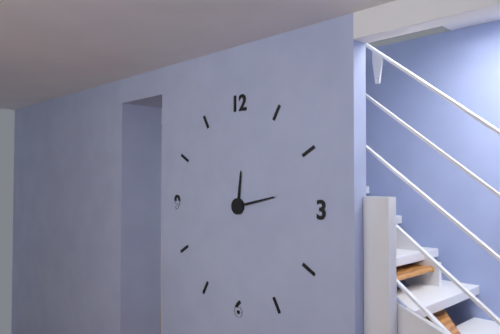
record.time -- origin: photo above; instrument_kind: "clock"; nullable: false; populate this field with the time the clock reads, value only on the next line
12:13
